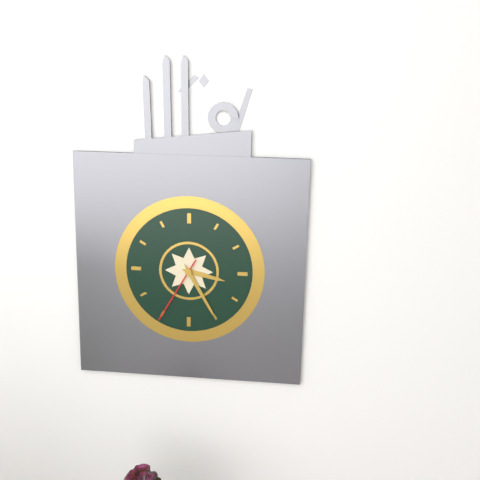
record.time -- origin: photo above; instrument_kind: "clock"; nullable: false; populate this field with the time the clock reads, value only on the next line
3:25:35
